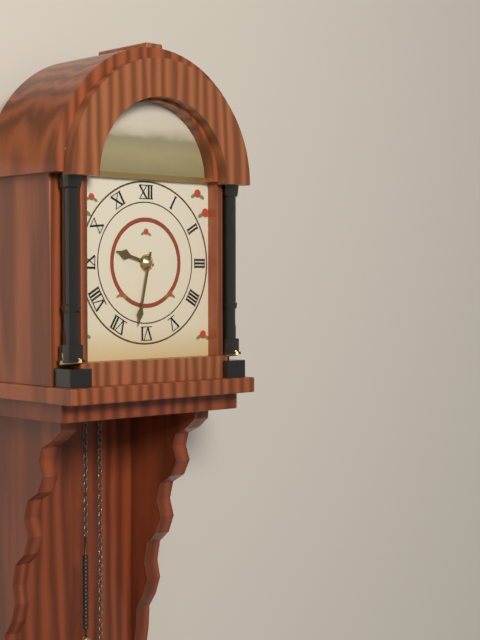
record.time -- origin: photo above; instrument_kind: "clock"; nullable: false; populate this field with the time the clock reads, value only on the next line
9:32
